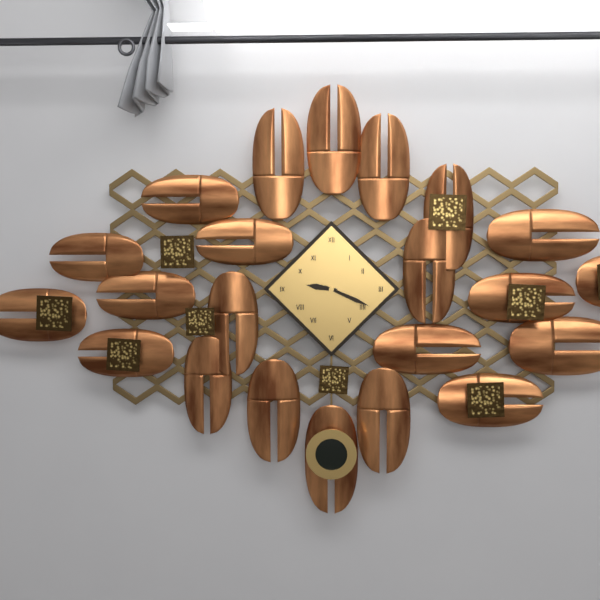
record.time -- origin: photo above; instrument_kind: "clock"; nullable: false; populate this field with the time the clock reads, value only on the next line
9:19
